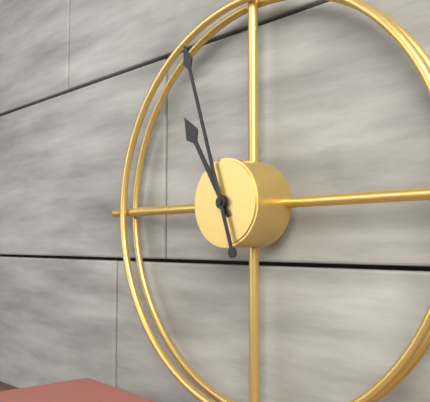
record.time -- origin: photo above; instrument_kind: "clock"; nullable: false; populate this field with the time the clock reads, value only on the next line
10:57
